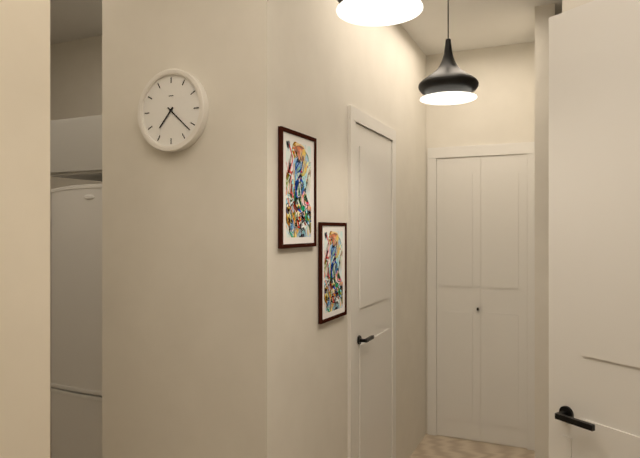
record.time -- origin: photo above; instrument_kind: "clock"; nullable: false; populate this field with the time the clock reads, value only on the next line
7:22
